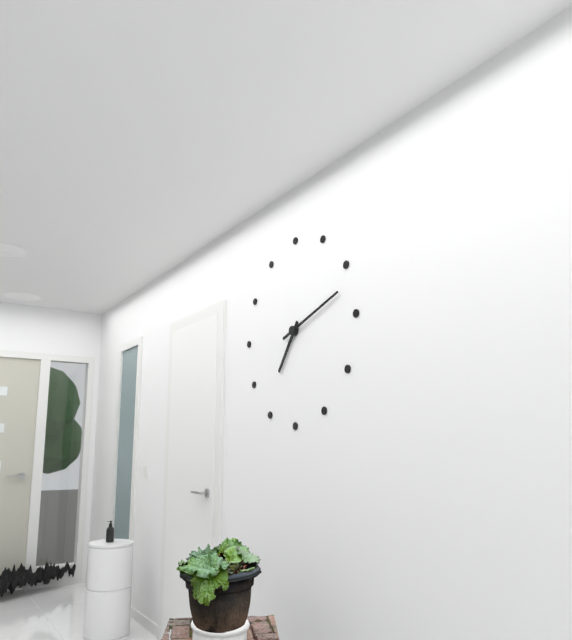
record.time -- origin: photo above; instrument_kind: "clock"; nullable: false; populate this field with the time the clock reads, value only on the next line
7:12
